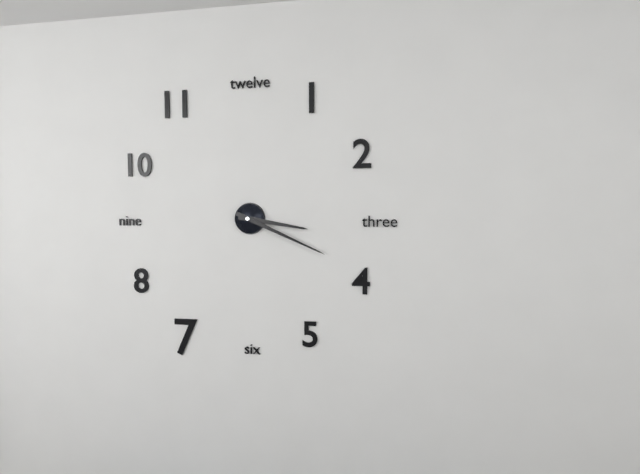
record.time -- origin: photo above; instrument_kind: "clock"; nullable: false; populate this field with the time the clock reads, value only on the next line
3:19
